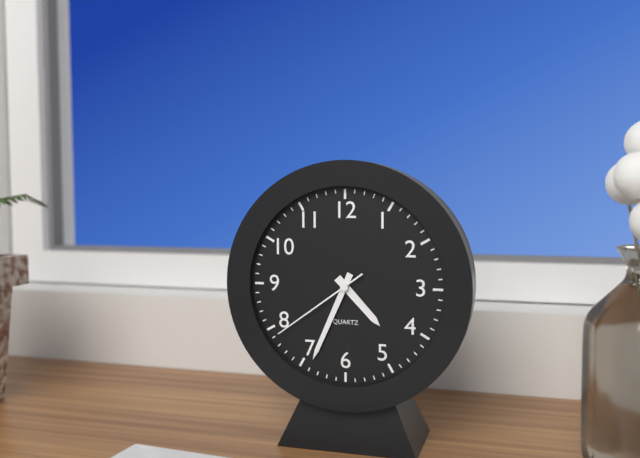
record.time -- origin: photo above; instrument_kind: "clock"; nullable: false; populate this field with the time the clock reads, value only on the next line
4:34:39
